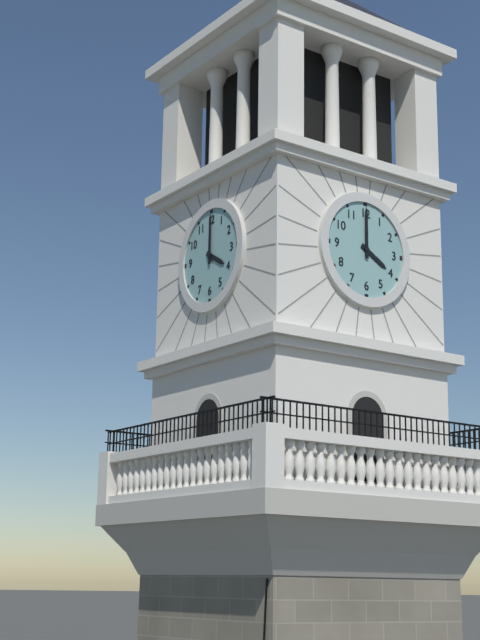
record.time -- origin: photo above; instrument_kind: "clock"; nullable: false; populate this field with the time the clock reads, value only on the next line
4:00
